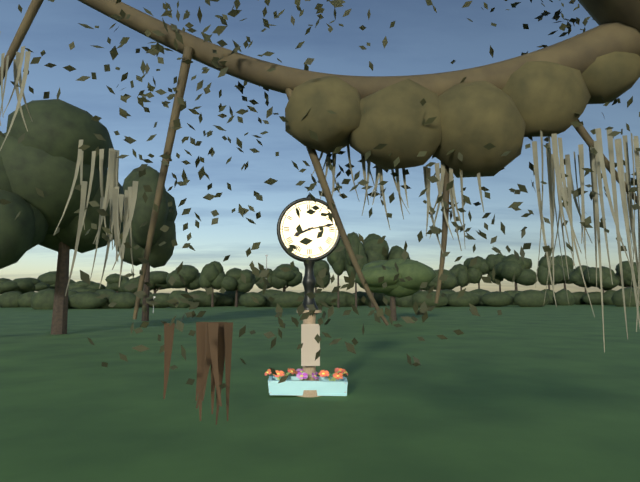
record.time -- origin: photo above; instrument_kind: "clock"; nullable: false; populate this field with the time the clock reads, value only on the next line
8:13
